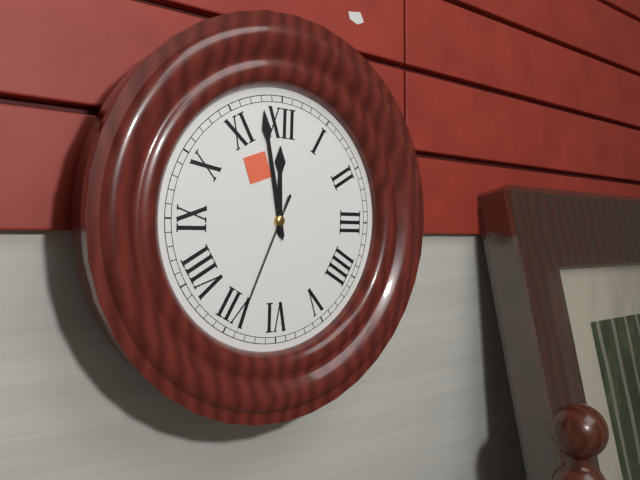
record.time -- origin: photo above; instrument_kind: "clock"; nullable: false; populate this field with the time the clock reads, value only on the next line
11:58:34
